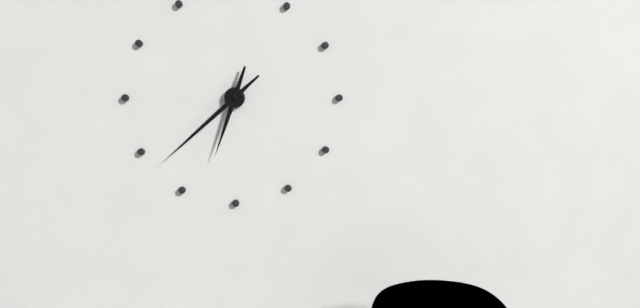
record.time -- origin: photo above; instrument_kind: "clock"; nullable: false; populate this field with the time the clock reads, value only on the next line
6:38
